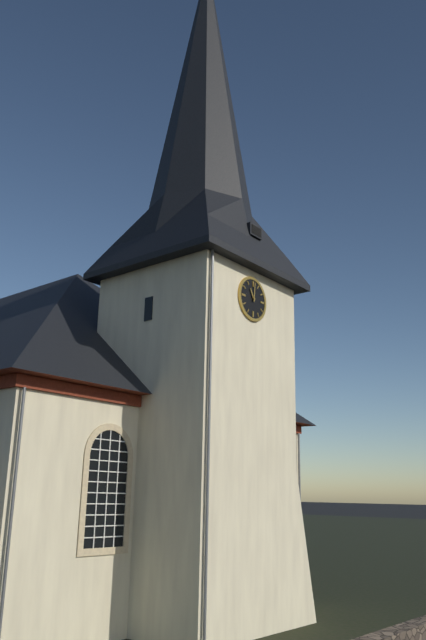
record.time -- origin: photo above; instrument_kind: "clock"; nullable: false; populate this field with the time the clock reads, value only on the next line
11:01
